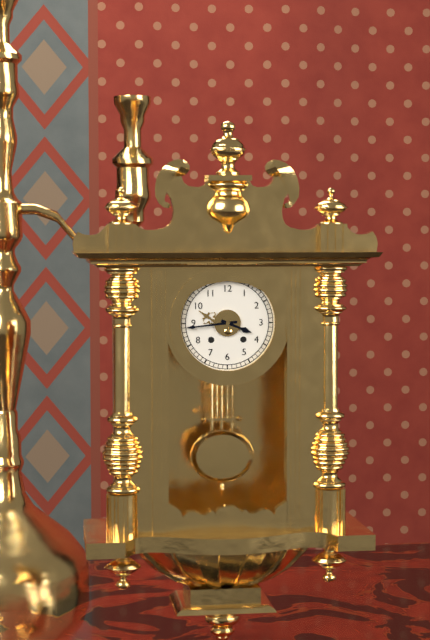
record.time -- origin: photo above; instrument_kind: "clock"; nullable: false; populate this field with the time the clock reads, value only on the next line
3:44
